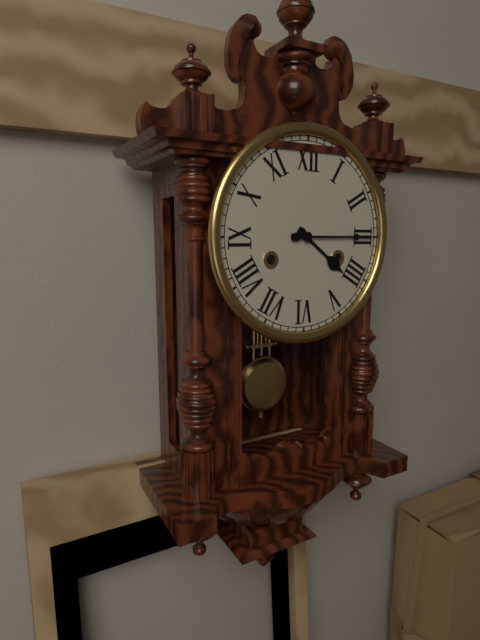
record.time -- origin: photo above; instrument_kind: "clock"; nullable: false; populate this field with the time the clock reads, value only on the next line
4:15
